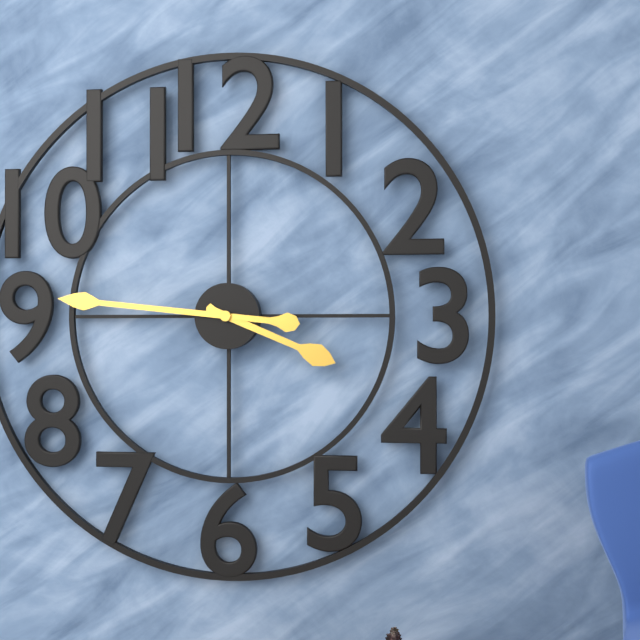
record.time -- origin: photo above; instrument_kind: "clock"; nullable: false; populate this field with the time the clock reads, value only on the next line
3:46
